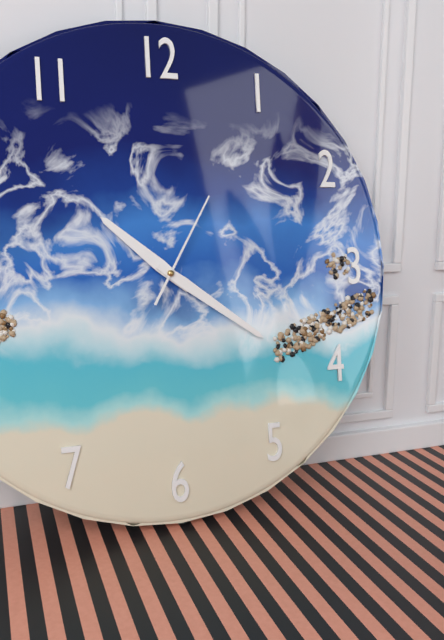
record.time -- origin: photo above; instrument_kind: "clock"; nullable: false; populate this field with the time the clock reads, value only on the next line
10:21:05
